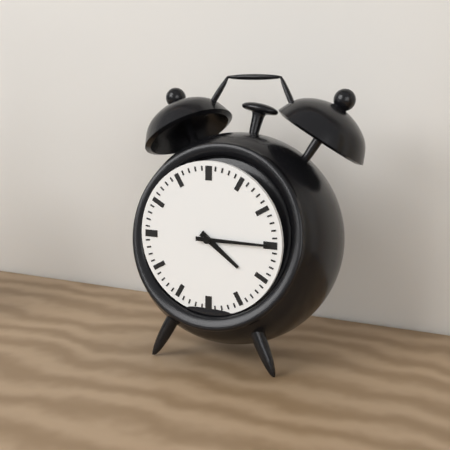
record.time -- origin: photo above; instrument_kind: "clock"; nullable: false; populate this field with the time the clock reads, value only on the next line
4:15
